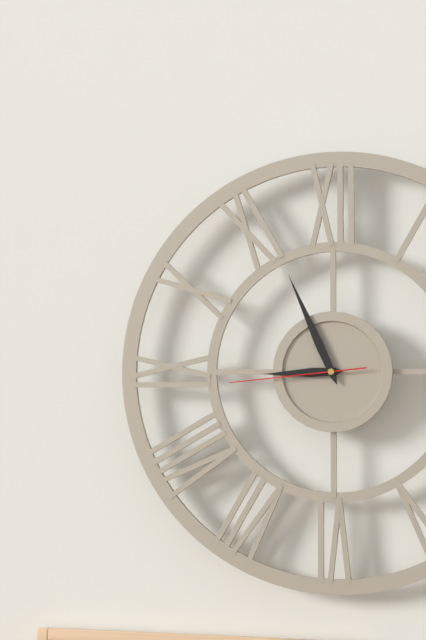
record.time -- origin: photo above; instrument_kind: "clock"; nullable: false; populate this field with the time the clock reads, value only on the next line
8:56:44
